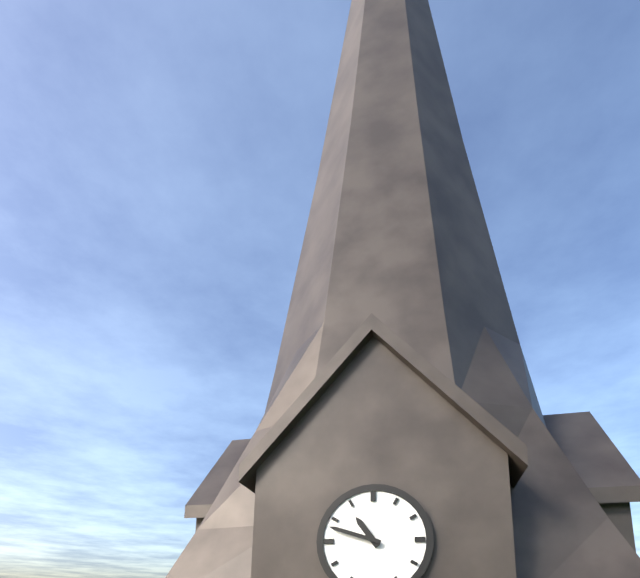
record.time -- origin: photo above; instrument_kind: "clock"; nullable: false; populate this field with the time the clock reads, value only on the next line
10:48
